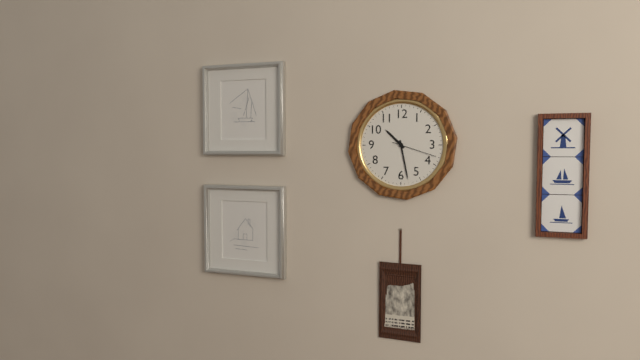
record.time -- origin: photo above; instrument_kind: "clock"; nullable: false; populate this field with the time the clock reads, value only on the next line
10:28
